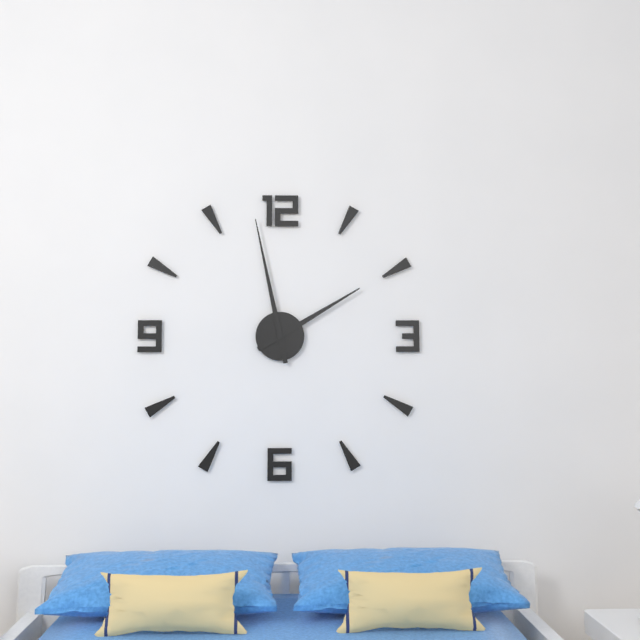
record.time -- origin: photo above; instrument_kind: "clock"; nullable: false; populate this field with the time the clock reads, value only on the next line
1:58
